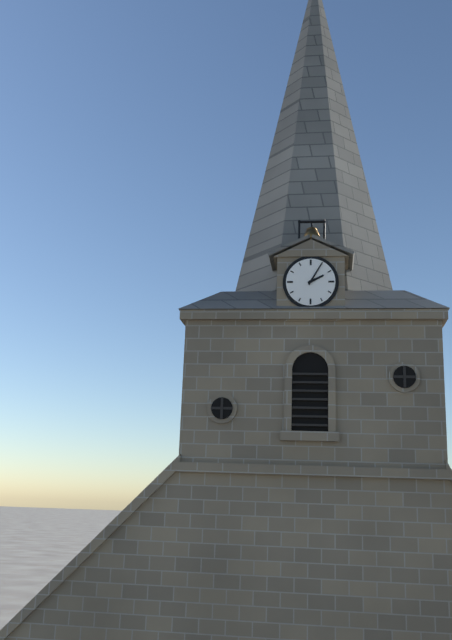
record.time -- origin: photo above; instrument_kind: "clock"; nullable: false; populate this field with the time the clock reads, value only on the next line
2:05
